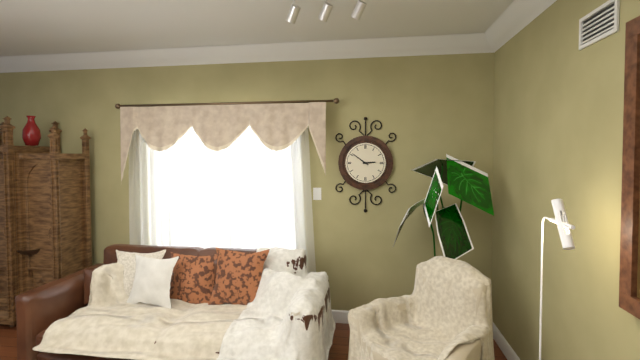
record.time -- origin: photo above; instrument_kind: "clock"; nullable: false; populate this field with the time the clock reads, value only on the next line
2:51
